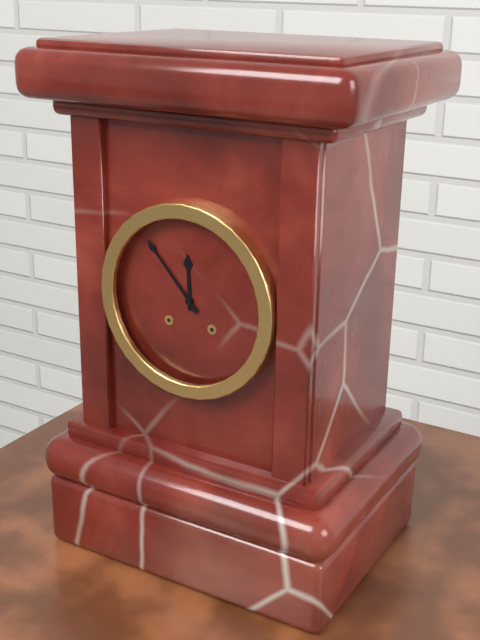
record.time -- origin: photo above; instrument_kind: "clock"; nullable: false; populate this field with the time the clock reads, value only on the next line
11:53
